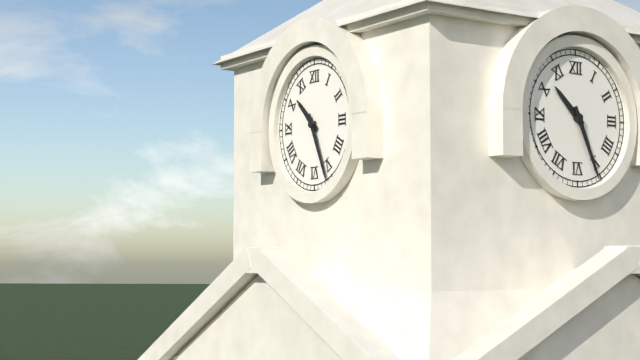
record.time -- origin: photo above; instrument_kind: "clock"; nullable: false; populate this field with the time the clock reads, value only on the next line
10:26
